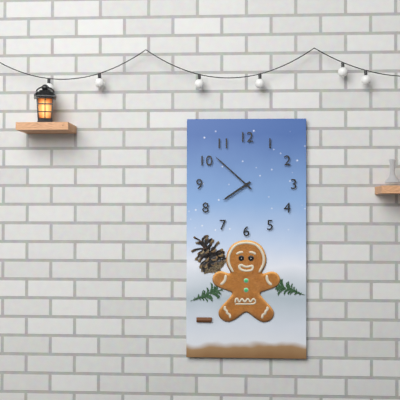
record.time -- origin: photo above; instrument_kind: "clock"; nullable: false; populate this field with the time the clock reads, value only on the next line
7:52
